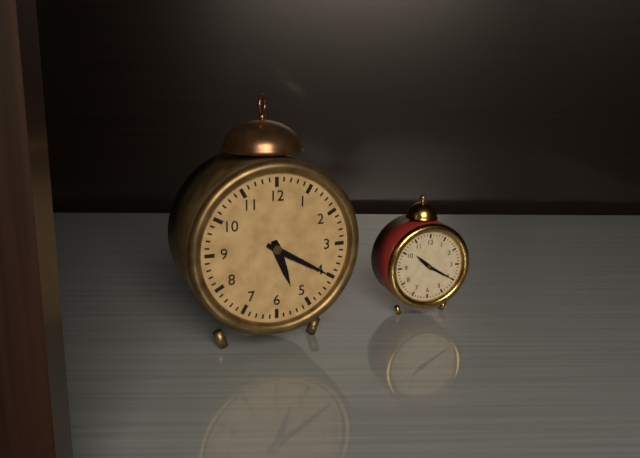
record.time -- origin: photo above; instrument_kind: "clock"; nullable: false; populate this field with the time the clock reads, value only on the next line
5:20
